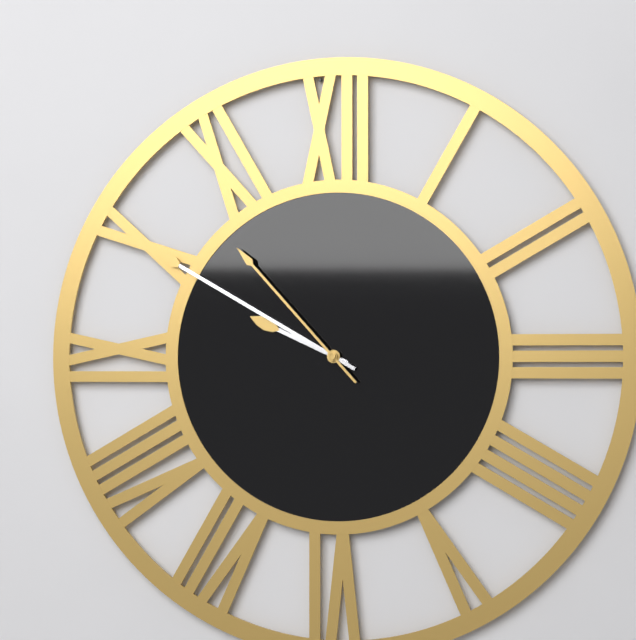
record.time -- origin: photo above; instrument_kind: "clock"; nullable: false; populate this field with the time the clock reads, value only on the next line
9:50:53
